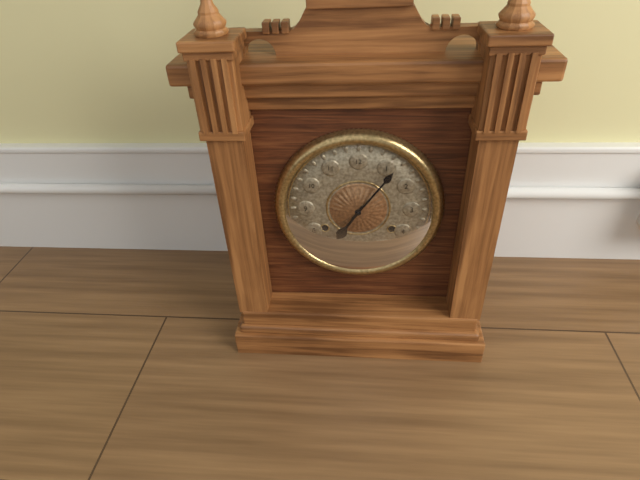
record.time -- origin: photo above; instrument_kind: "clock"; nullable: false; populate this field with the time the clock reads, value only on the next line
7:06
